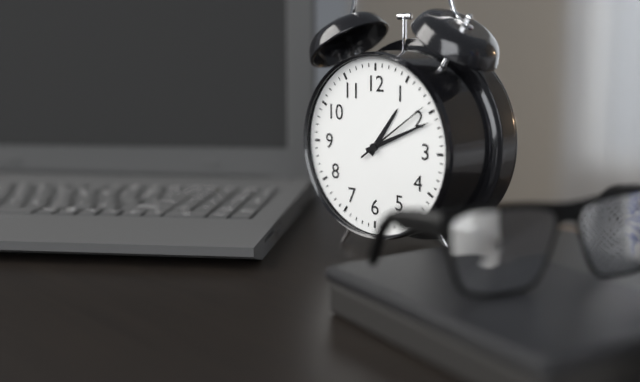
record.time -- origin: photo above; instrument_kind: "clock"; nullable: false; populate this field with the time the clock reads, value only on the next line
1:11:09
